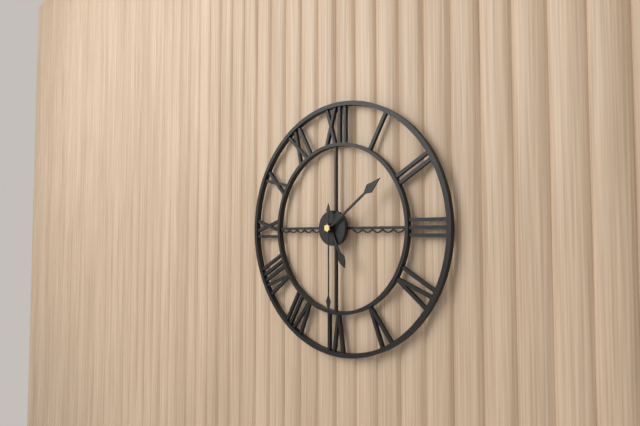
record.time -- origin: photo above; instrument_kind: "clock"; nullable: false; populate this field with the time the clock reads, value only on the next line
5:09:30
